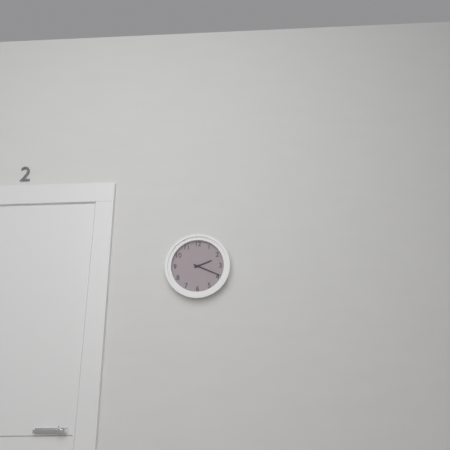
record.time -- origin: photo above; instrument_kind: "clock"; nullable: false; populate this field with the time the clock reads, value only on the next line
2:19
